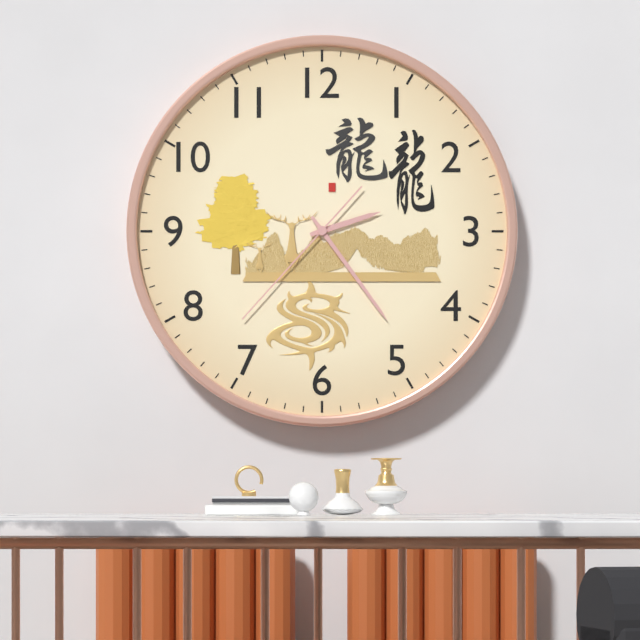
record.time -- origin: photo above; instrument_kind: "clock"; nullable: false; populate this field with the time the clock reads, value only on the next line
2:24:37
